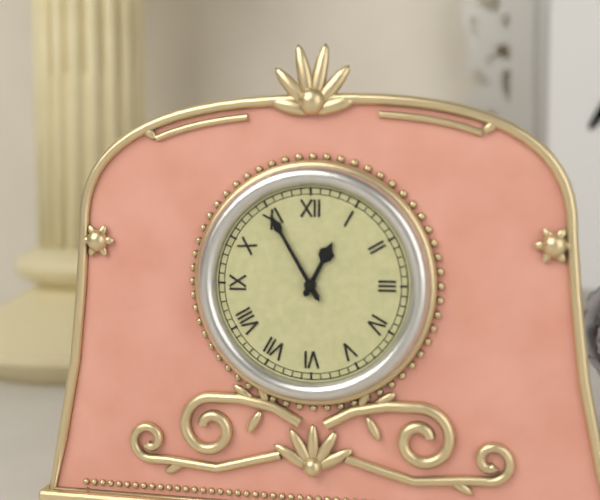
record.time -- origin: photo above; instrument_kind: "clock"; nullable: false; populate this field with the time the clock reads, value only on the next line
12:55
